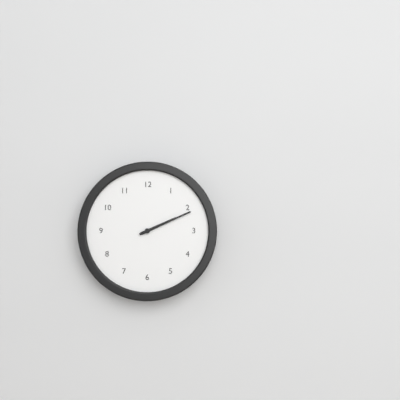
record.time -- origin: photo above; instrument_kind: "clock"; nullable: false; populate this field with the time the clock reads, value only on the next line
2:11
